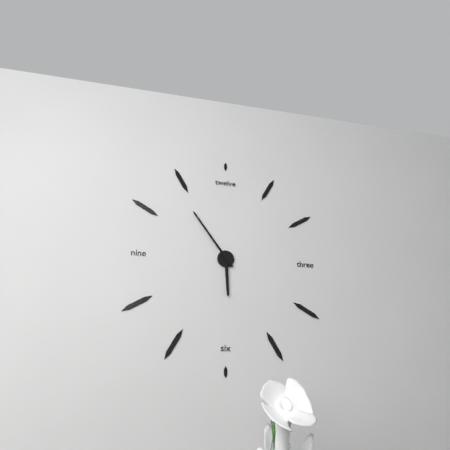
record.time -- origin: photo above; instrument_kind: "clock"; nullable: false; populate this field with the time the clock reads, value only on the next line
5:54
